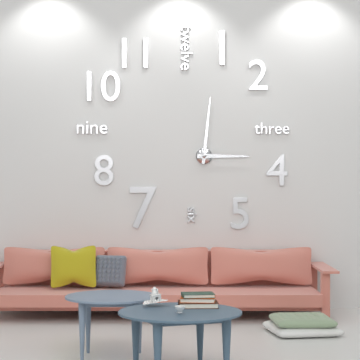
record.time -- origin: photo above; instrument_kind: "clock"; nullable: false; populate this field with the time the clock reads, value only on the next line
3:01
